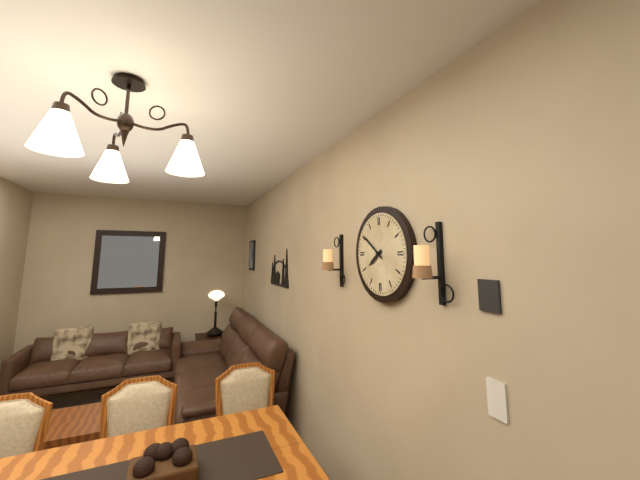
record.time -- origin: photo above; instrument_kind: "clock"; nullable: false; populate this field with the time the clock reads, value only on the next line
7:51
